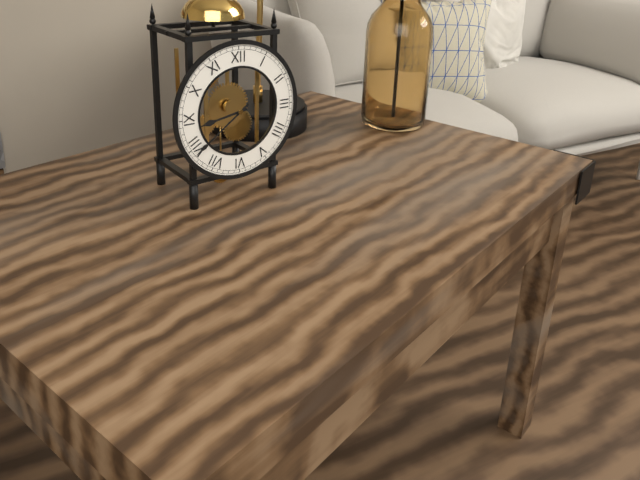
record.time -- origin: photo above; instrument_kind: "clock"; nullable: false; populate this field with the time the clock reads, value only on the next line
8:39
